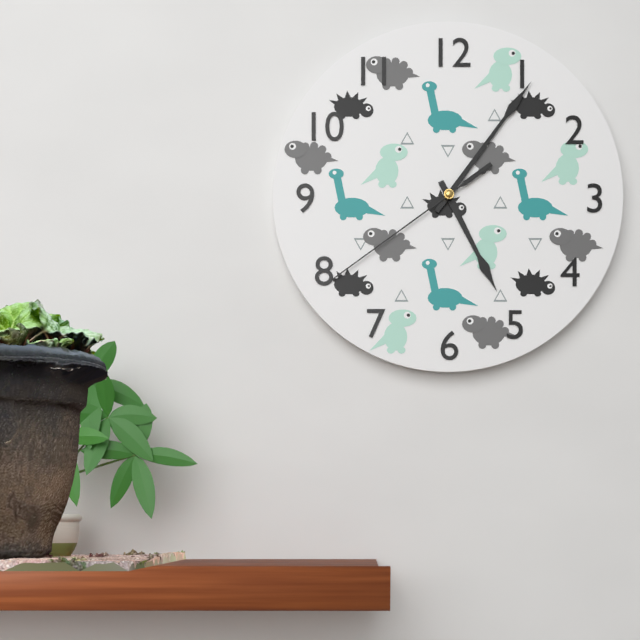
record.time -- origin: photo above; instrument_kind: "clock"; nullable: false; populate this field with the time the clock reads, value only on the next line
5:06:39
